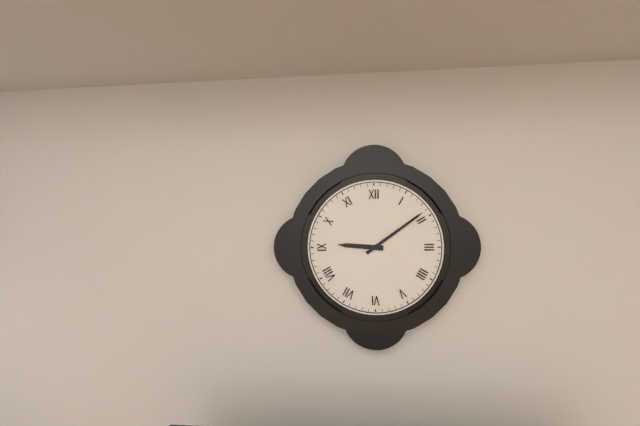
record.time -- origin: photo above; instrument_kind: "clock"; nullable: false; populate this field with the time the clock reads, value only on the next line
9:09
